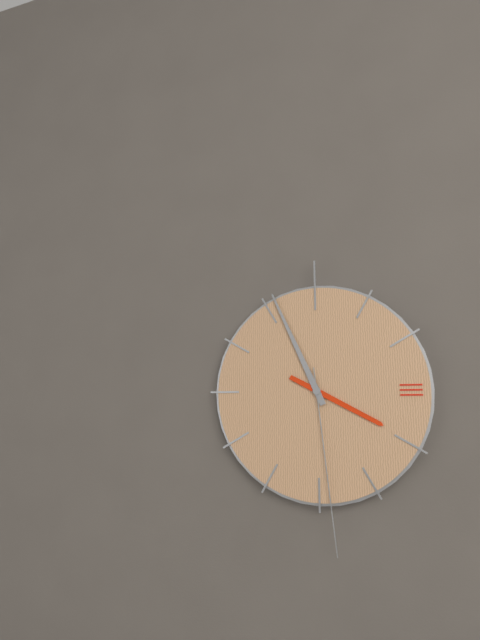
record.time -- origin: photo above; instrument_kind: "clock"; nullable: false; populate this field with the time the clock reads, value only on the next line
3:56:29
